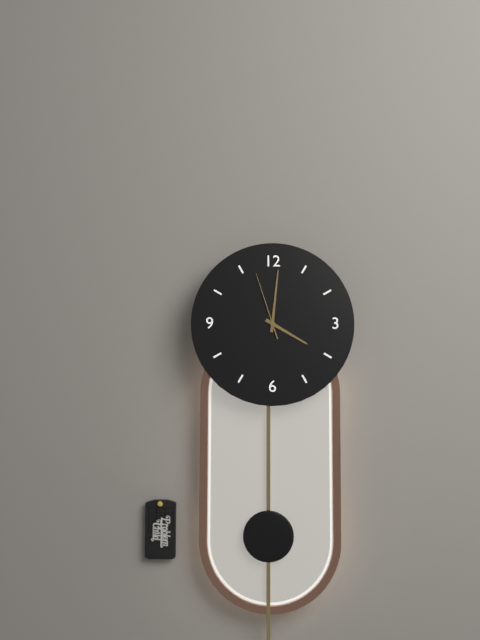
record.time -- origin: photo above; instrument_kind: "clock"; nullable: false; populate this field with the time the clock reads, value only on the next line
4:01:57
